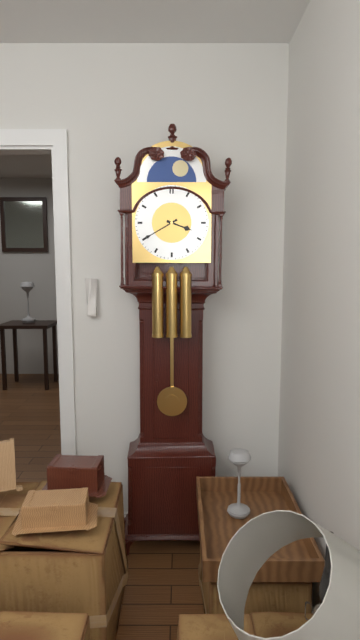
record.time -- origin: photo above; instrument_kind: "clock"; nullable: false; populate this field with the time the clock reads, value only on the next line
3:40
